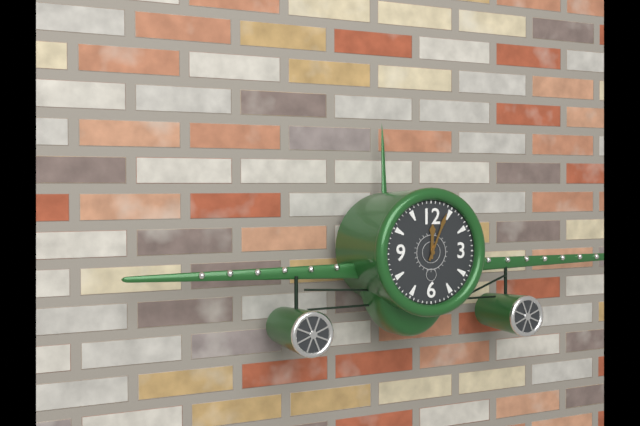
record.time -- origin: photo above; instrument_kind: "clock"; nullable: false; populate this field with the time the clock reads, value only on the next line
12:04
